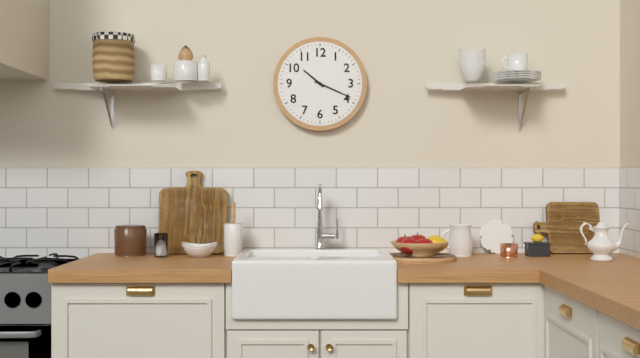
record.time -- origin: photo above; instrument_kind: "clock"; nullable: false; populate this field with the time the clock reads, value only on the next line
10:19
